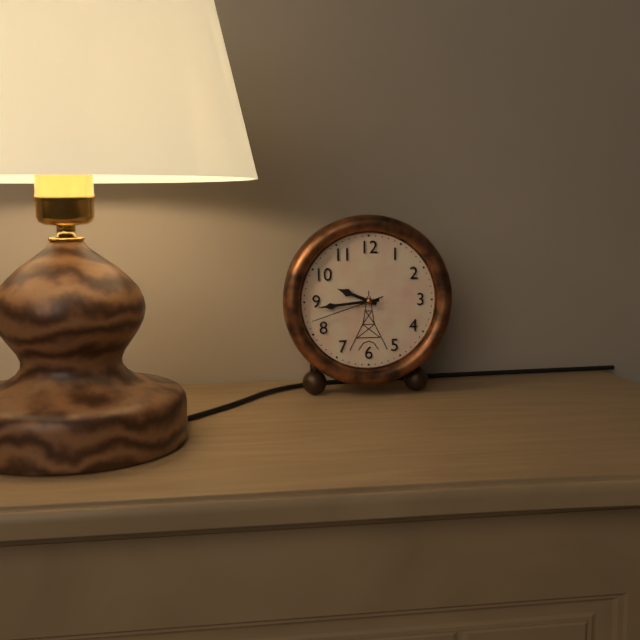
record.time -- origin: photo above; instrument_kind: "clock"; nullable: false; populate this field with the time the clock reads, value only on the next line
9:44:42
